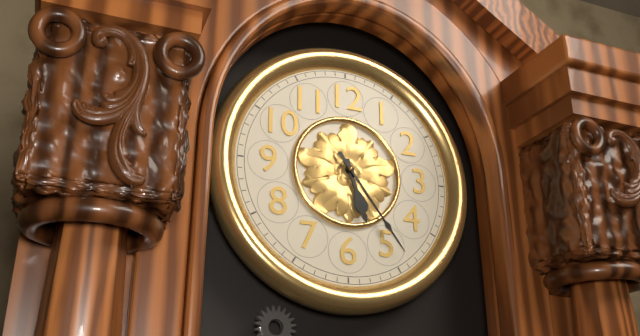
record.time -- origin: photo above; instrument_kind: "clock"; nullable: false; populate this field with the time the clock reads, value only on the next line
5:24
